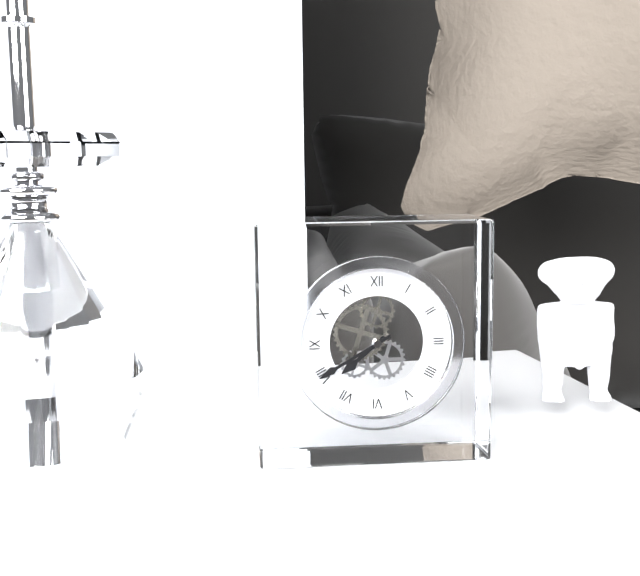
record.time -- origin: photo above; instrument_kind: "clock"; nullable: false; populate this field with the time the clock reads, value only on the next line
7:40
